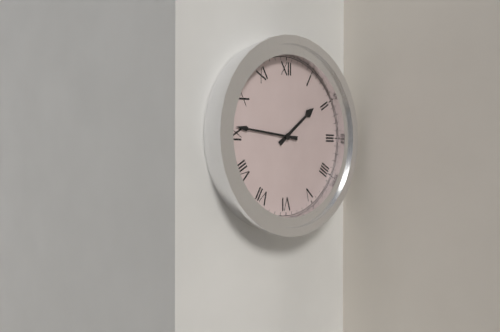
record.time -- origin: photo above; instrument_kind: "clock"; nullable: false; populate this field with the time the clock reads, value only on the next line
1:46
